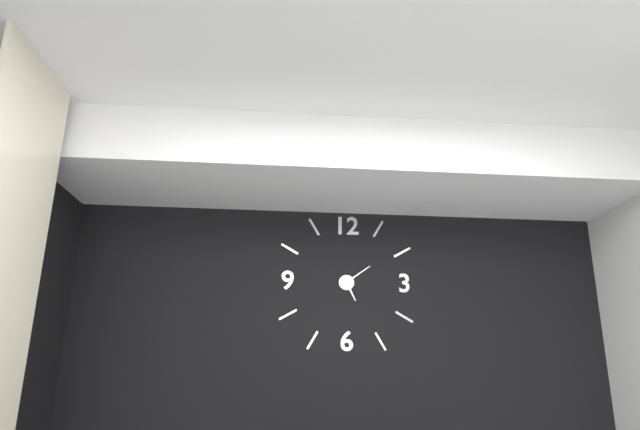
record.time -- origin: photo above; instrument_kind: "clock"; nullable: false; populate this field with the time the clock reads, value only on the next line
5:09
